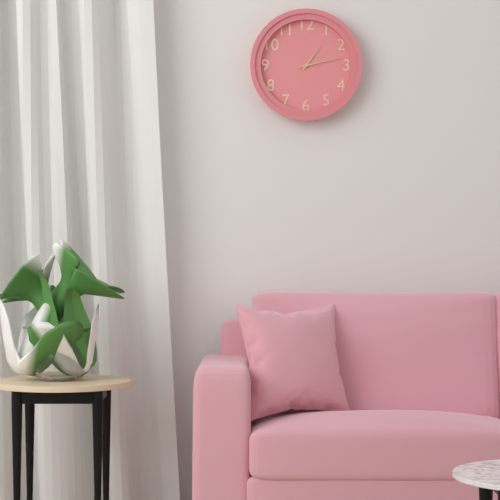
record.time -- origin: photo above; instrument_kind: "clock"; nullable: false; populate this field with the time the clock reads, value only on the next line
1:13
